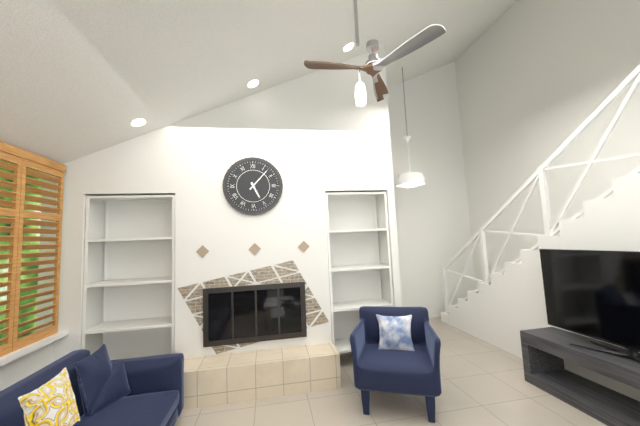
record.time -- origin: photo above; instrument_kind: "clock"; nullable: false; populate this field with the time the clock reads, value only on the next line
5:07
